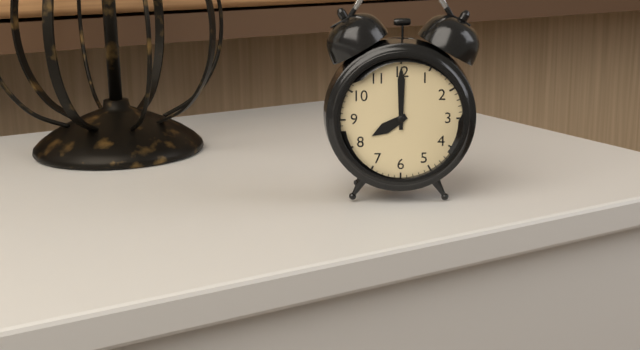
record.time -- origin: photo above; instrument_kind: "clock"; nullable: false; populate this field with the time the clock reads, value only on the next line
8:00
